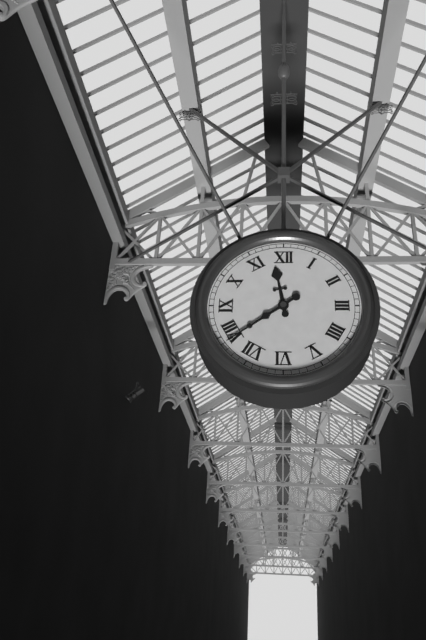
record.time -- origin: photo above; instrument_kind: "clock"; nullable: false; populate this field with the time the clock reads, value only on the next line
11:39
